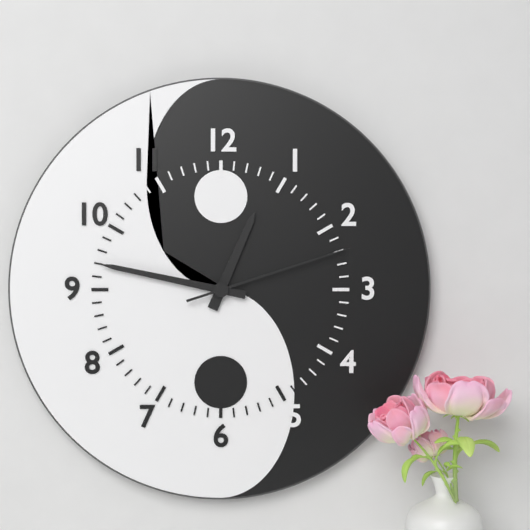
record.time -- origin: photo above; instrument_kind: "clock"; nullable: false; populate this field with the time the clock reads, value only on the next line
12:47:12
